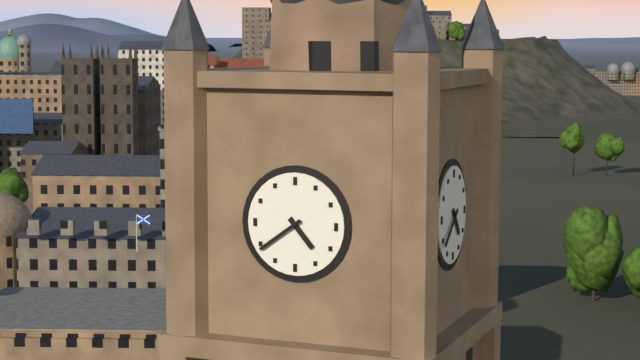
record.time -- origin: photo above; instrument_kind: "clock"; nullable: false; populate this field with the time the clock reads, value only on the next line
4:39
